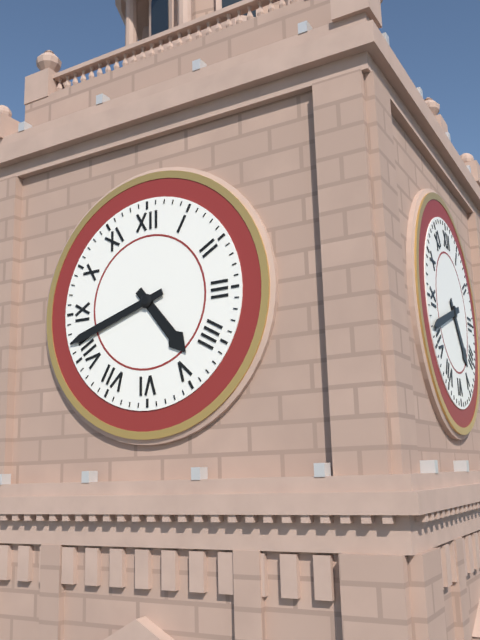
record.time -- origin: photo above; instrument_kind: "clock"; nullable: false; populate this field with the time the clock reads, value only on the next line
4:42
